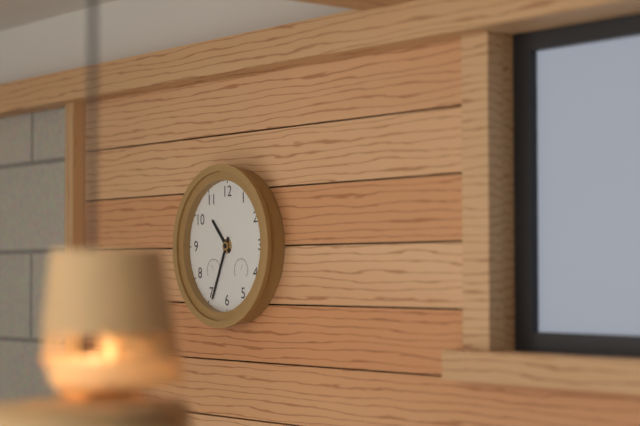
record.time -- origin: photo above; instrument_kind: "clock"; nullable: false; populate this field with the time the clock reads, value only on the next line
10:34
